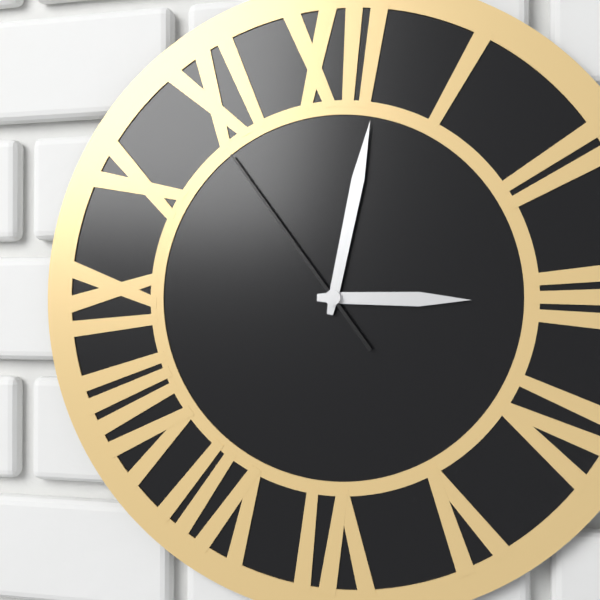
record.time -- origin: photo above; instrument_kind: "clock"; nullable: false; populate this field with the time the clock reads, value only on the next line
3:02:54
